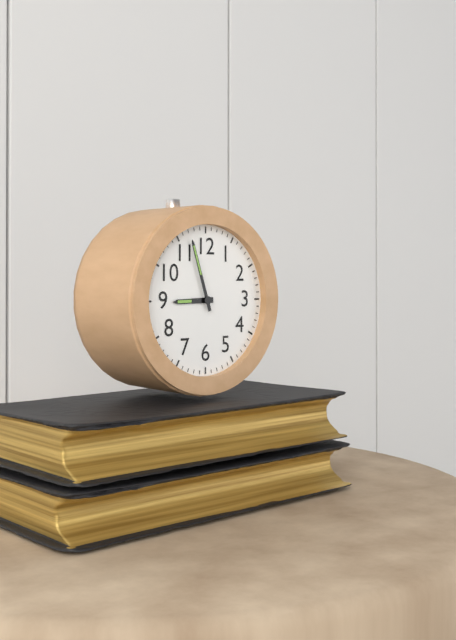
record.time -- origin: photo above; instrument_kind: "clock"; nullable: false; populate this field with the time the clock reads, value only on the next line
8:57
